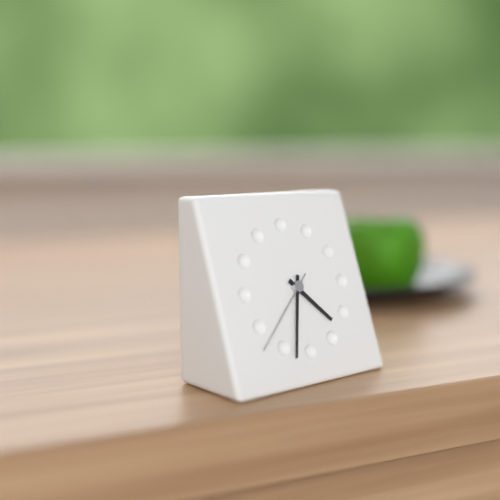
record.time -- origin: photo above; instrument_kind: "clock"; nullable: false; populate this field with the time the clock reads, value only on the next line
4:33:38
